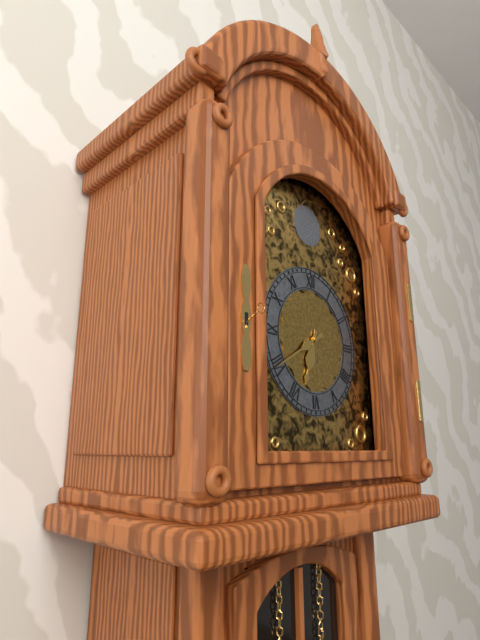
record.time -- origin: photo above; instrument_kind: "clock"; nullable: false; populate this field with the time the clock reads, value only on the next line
6:40
